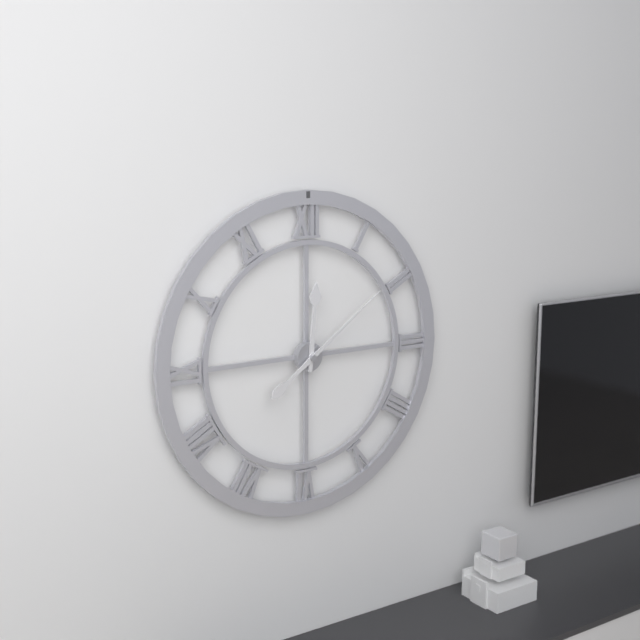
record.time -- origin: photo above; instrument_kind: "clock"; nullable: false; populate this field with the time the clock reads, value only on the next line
12:09
